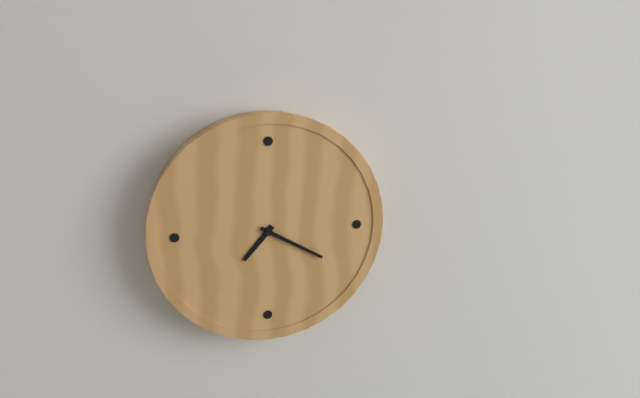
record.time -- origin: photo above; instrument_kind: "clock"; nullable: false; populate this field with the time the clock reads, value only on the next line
7:20
